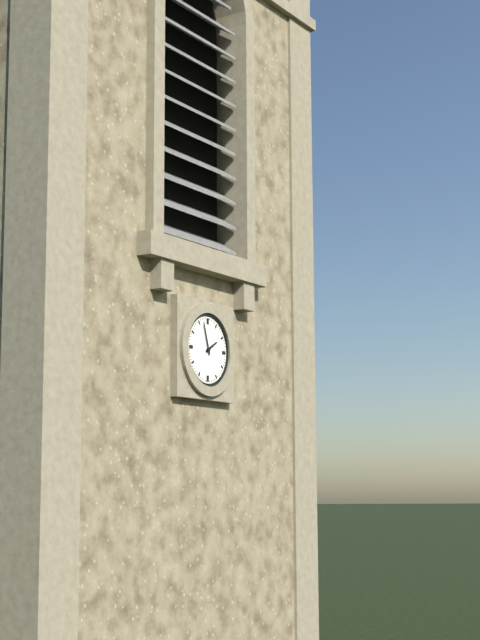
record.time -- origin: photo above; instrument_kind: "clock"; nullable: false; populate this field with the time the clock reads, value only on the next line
1:57
